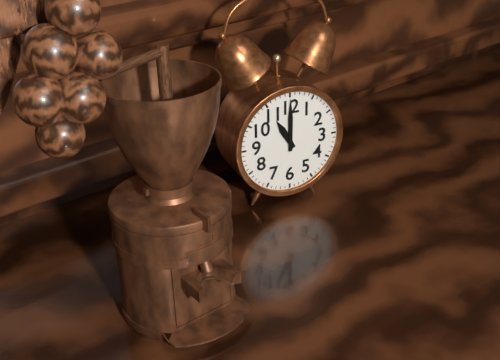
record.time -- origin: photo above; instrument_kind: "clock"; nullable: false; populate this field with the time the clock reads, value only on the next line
11:00
